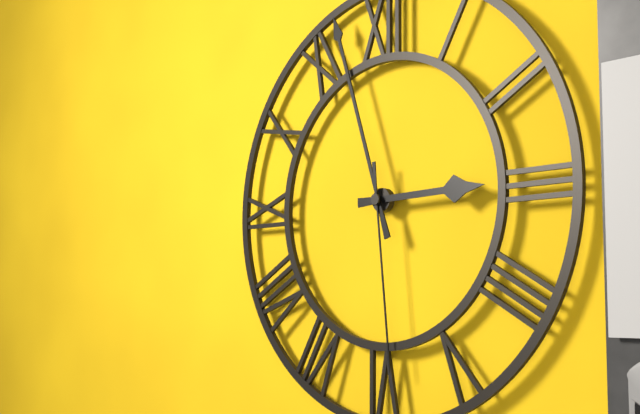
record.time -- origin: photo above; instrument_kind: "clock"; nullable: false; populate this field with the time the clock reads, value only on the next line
2:57:29
